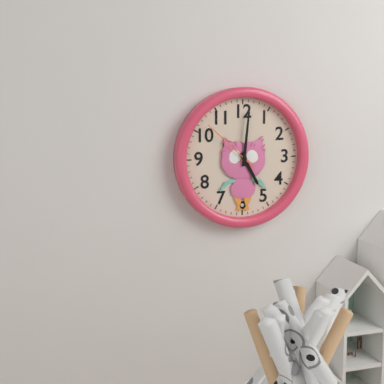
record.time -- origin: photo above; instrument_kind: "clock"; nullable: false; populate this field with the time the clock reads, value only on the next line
5:01:52
